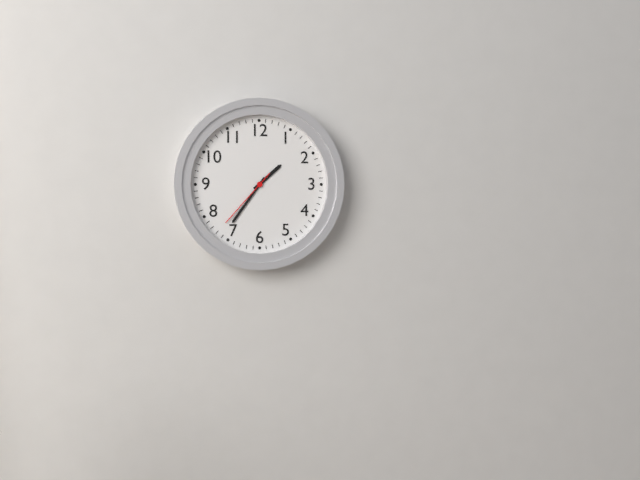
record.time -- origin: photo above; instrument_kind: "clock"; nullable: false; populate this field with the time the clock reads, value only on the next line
1:36:37
